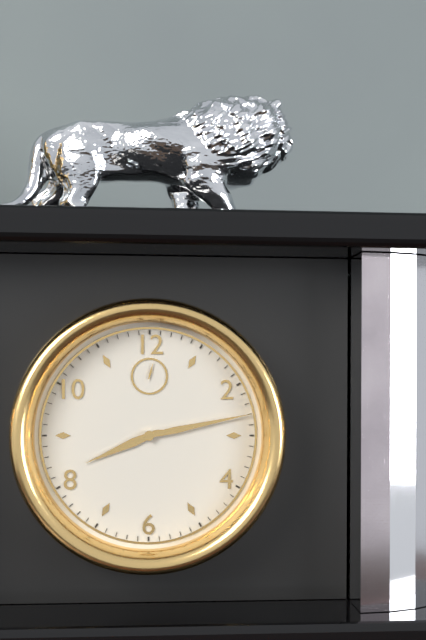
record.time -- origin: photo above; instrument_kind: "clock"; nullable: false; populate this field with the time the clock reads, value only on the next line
8:13
